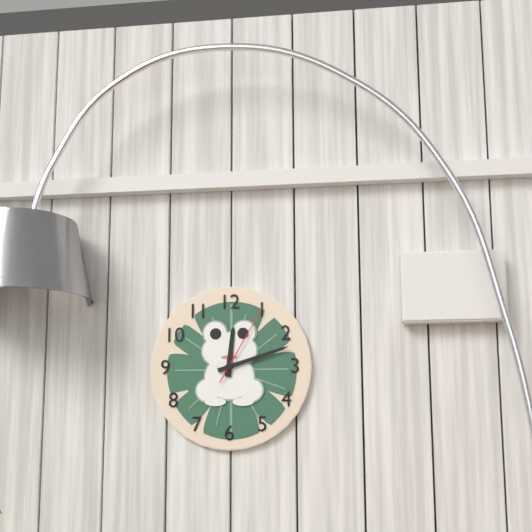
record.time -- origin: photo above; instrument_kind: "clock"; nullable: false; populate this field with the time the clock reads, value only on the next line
12:12:05
